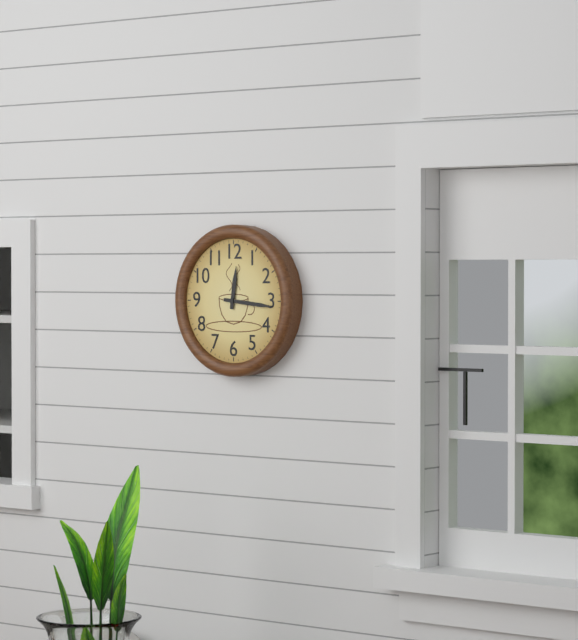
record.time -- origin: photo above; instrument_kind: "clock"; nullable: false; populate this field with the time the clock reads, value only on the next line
12:16
